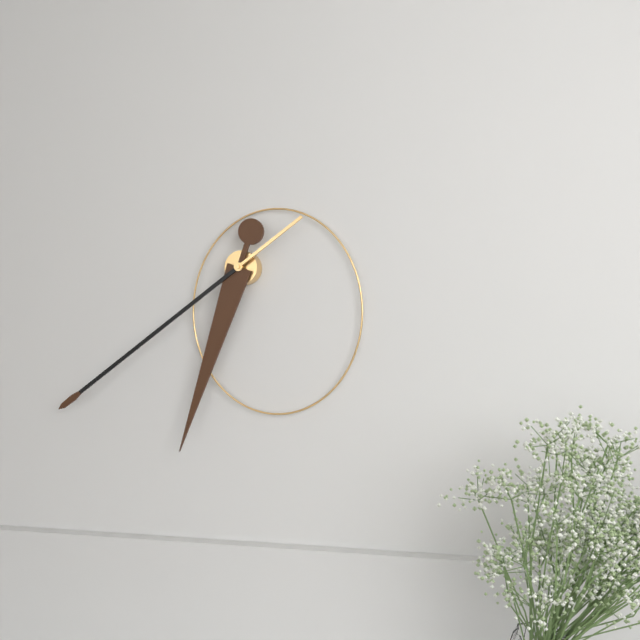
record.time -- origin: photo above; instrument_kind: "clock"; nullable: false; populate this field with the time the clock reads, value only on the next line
6:39
